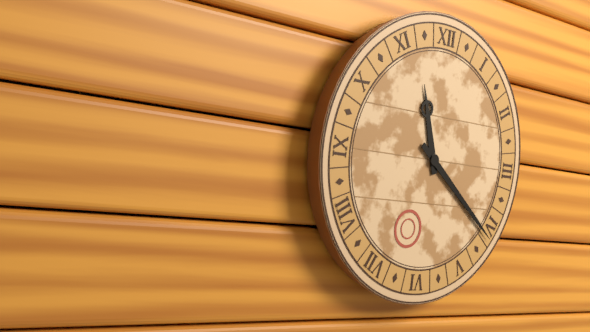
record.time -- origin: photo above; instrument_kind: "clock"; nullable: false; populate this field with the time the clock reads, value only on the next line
11:21
